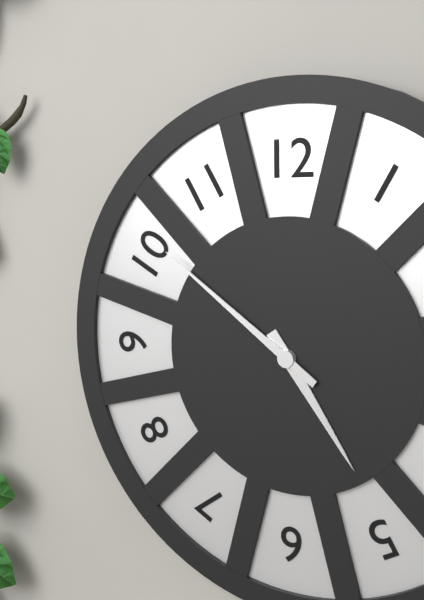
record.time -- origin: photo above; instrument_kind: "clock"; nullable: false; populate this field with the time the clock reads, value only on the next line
4:51
